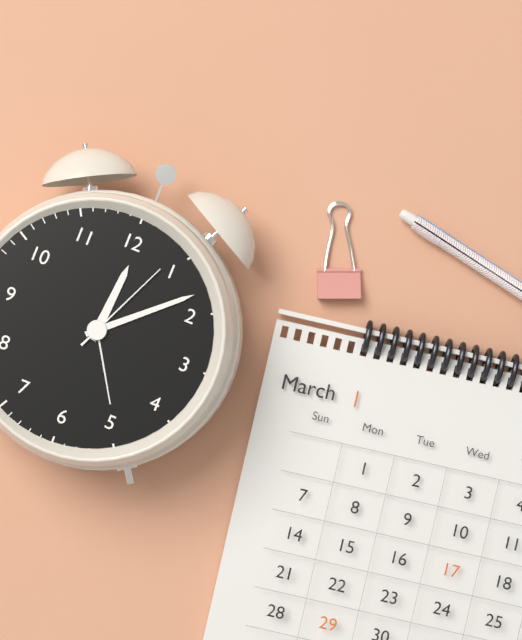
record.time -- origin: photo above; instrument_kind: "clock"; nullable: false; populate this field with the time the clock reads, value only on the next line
12:08:04
